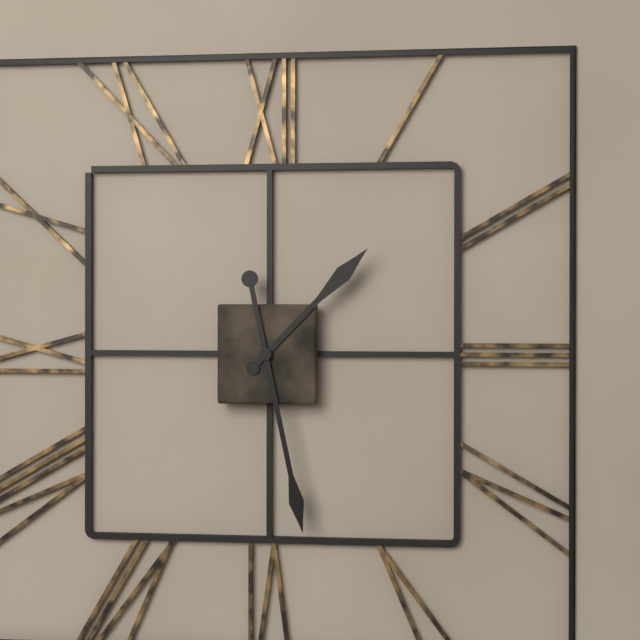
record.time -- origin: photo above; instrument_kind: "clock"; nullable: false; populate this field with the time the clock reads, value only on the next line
1:28
